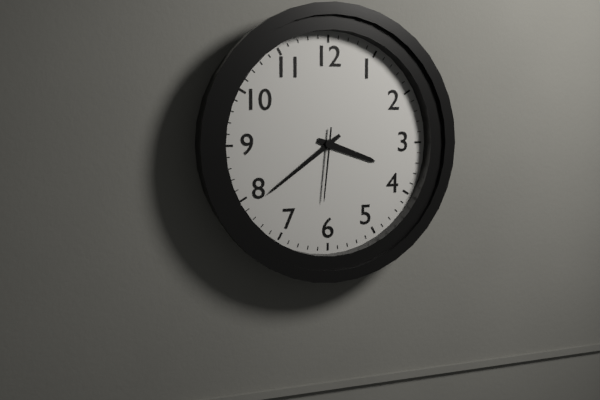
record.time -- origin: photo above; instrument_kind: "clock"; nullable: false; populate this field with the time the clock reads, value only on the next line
3:39:31
